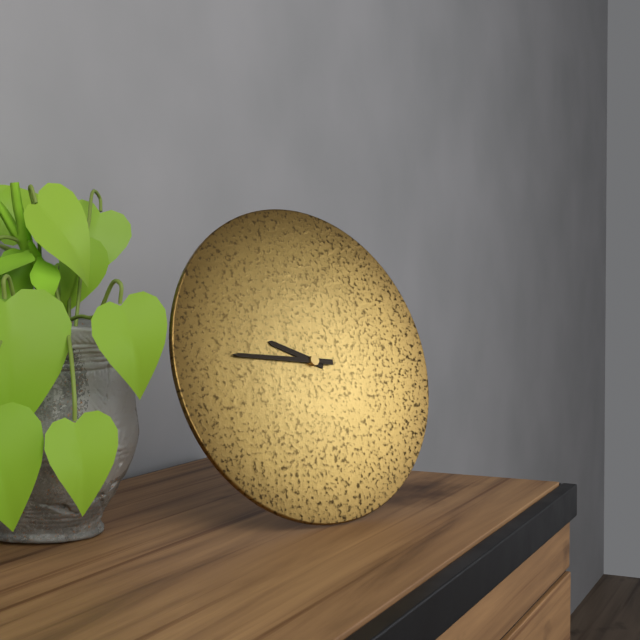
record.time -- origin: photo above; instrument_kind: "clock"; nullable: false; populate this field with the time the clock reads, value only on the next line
9:46
